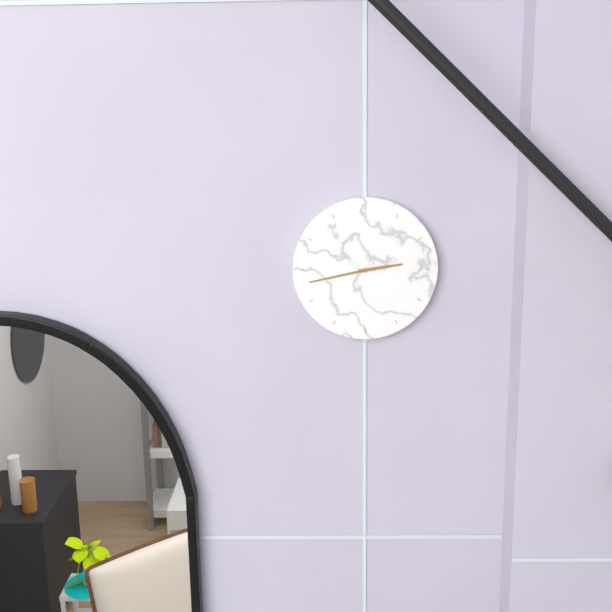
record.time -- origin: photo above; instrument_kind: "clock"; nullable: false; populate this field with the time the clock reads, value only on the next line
2:43
